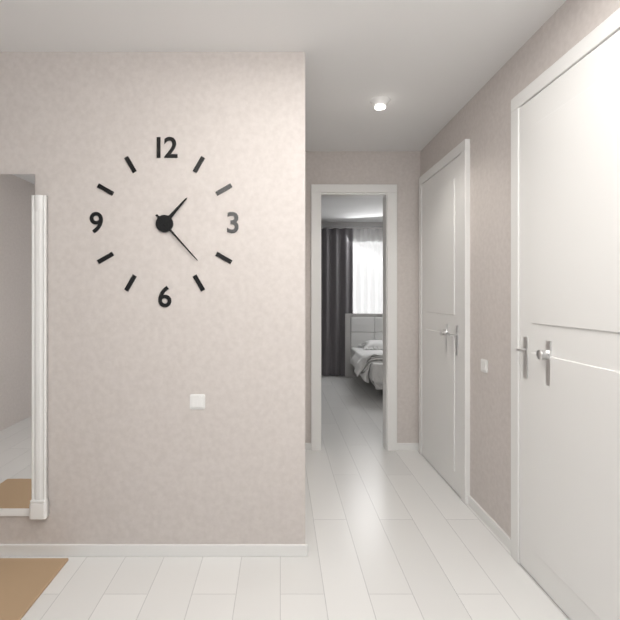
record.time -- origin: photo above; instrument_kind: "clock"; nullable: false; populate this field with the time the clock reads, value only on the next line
1:23
